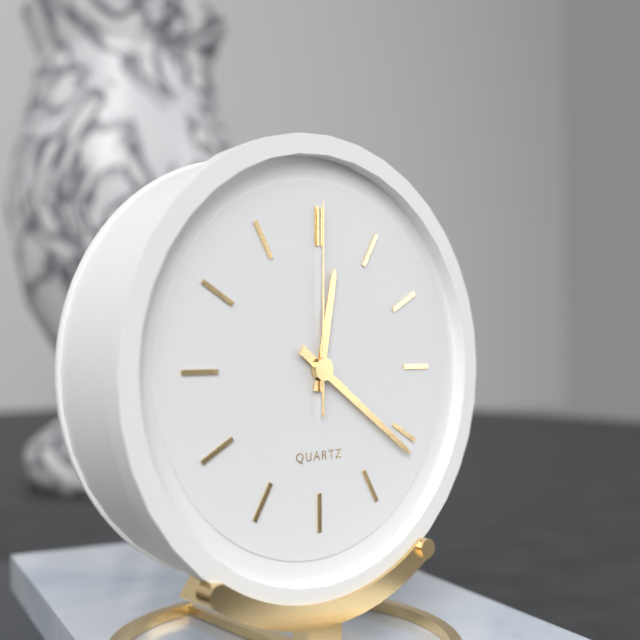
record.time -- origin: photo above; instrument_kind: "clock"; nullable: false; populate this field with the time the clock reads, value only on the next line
12:21:00
